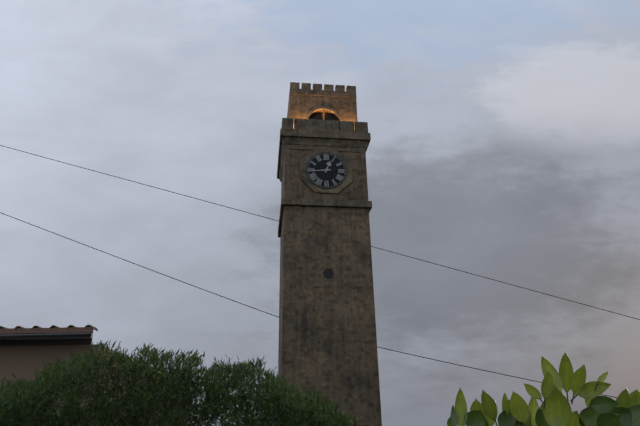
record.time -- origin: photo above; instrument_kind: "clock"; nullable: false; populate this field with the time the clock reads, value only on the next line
12:44
